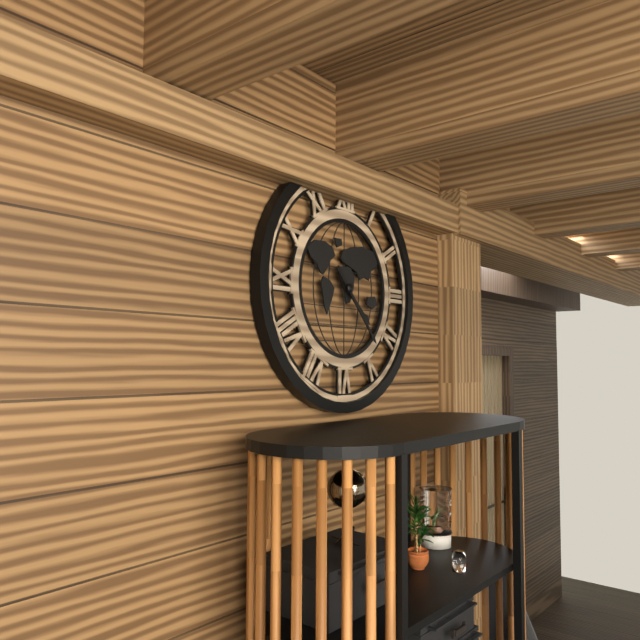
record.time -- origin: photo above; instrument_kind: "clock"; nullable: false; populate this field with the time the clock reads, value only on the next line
4:23
